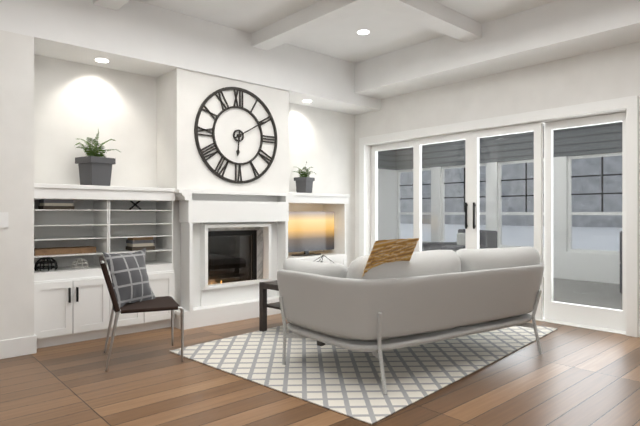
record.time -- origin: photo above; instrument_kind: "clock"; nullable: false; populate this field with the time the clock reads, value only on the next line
6:10
